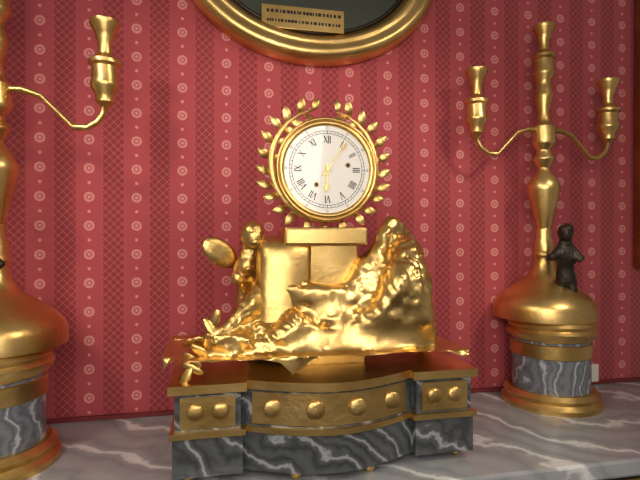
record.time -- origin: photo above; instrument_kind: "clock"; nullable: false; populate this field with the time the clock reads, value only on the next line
6:06
